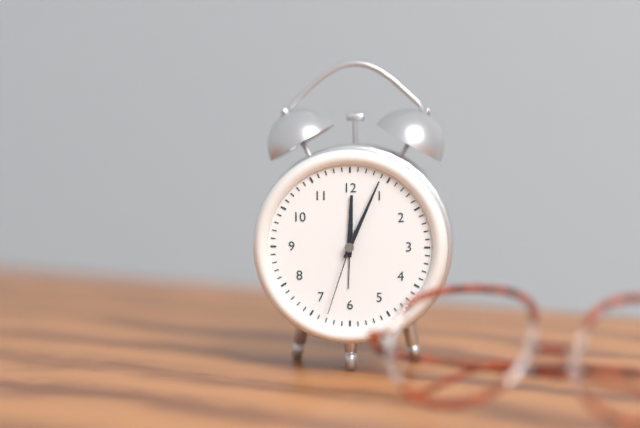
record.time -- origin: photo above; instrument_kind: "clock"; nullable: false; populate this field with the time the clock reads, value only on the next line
12:04:33
